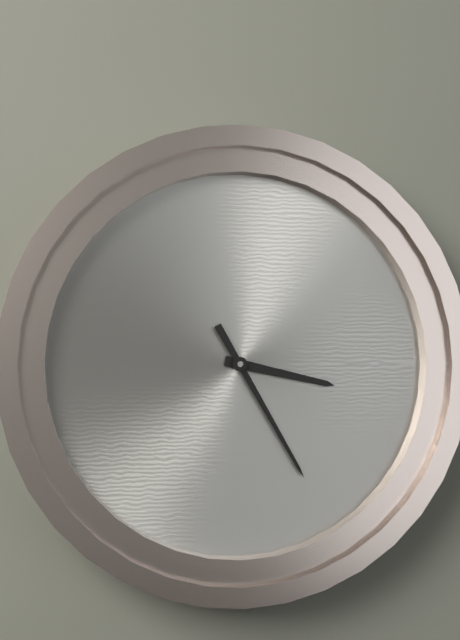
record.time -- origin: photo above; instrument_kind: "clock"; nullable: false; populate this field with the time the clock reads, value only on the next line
3:25
